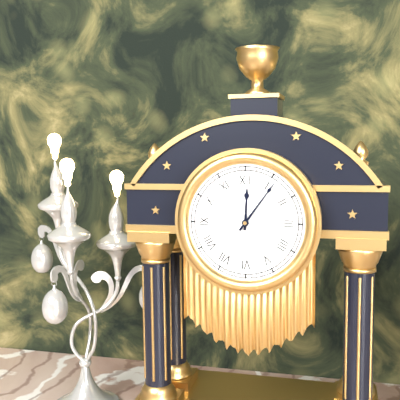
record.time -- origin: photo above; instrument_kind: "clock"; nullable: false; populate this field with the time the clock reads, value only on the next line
12:06
